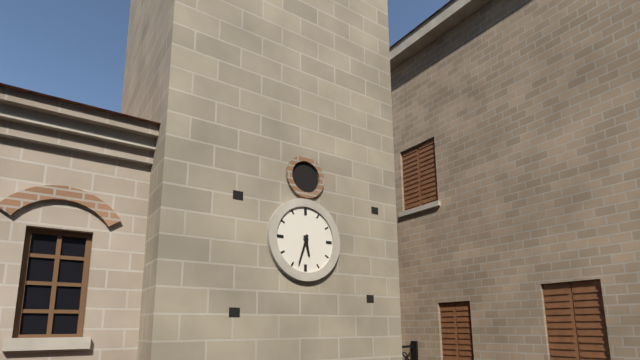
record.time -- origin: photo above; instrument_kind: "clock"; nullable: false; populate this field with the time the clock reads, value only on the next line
5:33
